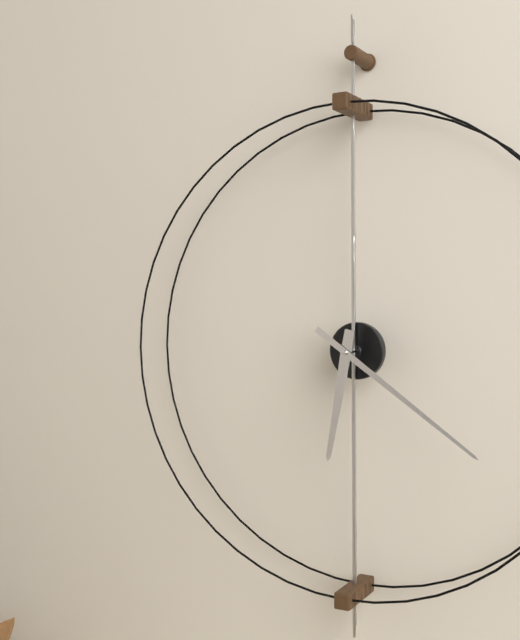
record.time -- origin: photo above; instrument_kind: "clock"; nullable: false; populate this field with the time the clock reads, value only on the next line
6:21
